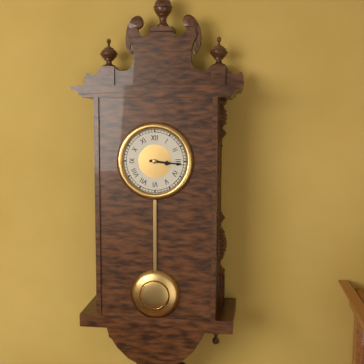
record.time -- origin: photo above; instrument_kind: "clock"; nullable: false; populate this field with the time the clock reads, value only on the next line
3:16
